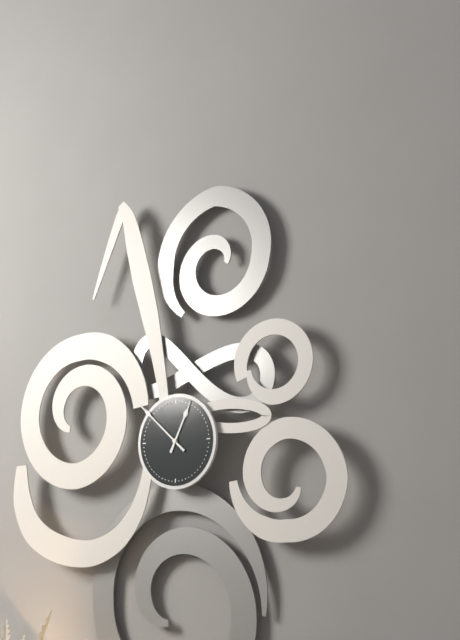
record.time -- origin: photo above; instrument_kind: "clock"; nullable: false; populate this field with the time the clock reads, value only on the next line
12:52
